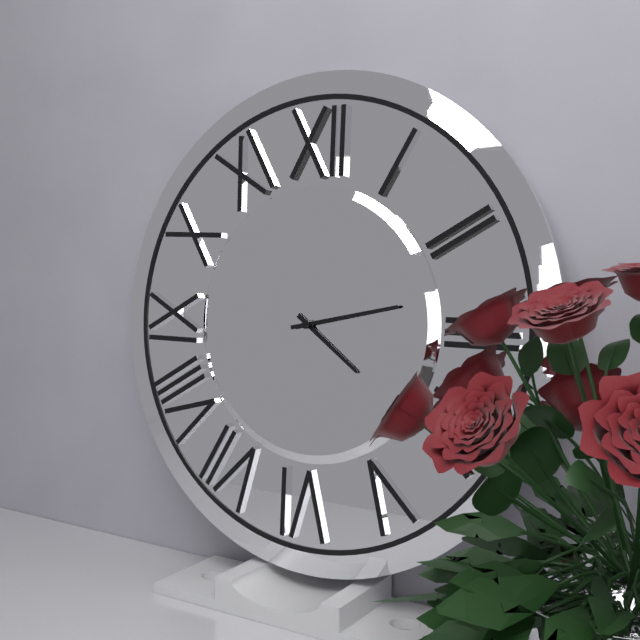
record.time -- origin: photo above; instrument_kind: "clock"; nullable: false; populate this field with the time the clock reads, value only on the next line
4:13
